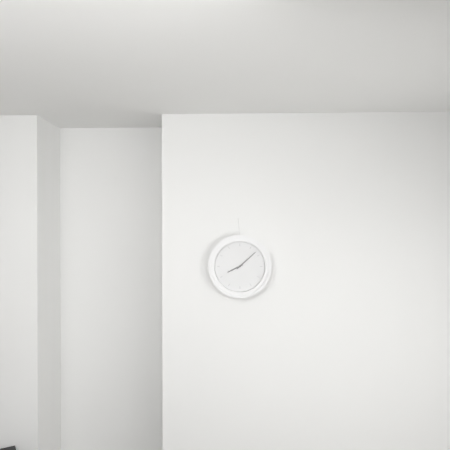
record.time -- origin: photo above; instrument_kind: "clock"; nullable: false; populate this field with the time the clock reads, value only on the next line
8:08
